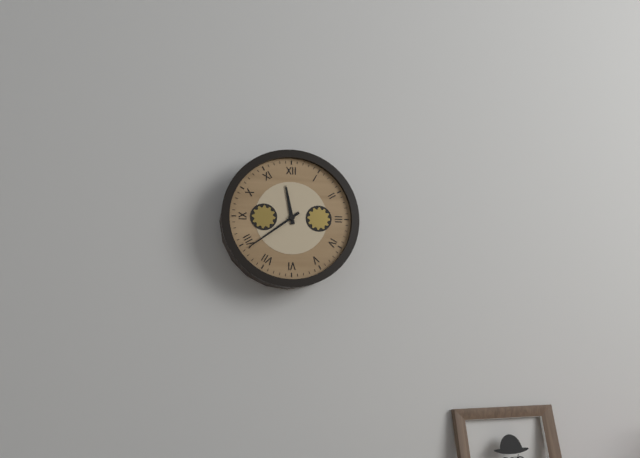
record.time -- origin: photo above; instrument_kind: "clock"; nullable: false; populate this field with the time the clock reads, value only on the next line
11:39
